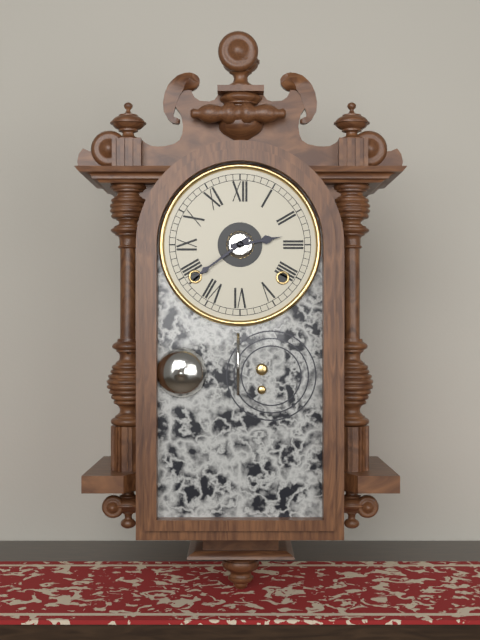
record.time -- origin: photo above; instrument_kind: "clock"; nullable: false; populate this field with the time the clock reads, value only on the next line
2:39
